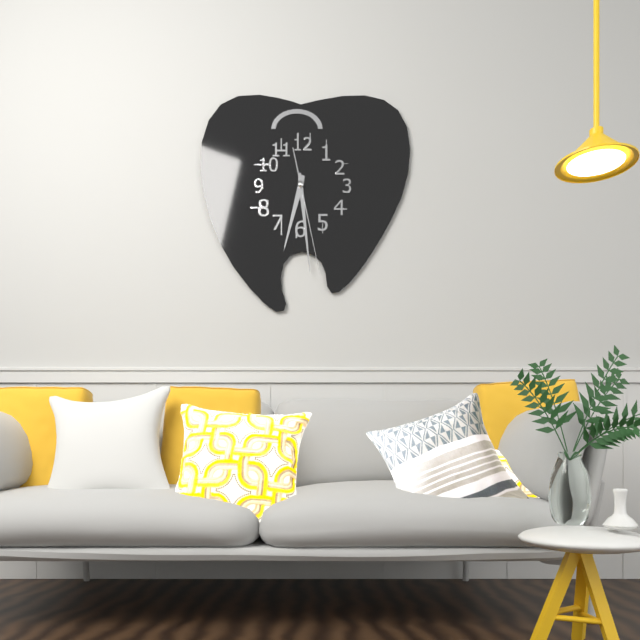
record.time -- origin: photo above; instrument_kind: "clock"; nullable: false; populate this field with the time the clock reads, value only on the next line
6:29:28
